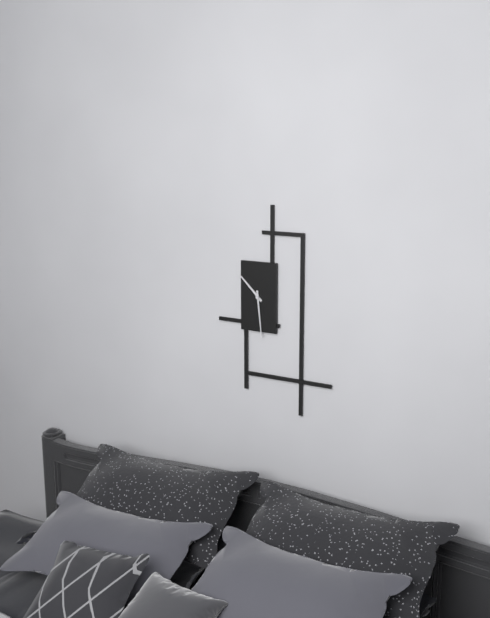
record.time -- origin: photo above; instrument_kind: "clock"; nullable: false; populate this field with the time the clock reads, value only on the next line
10:29
